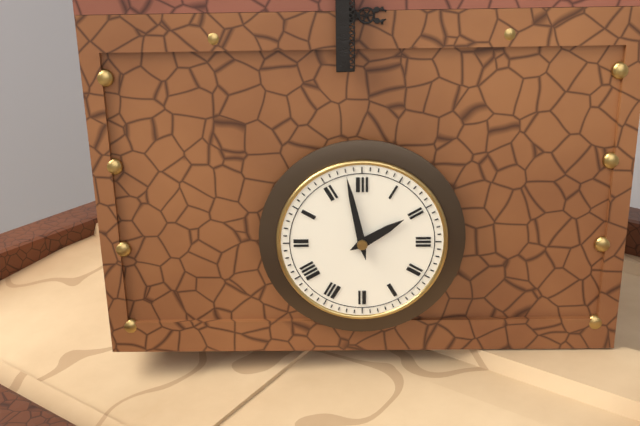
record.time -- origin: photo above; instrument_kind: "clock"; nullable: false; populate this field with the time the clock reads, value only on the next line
1:58
